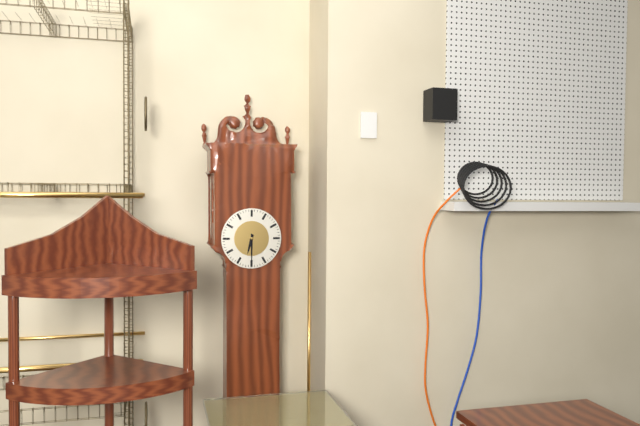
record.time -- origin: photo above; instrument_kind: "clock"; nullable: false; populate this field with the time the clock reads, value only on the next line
6:30
